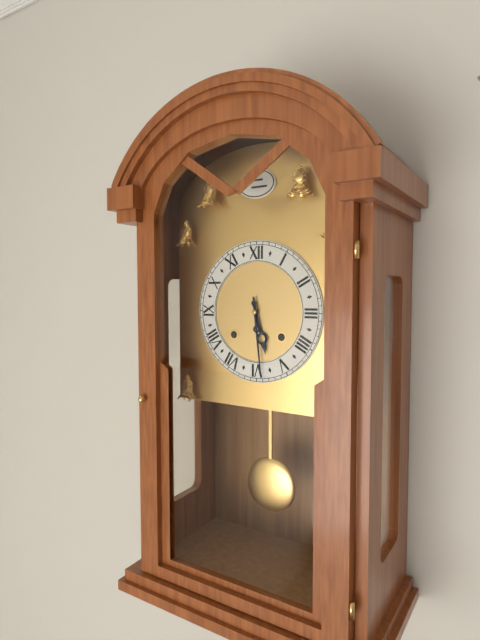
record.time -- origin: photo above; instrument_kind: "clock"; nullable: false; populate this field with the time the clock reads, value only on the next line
5:29
